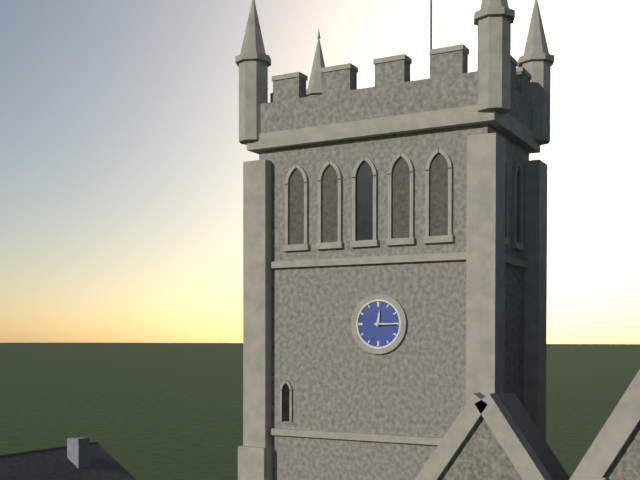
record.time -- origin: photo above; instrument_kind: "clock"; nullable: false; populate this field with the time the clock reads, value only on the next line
12:15
